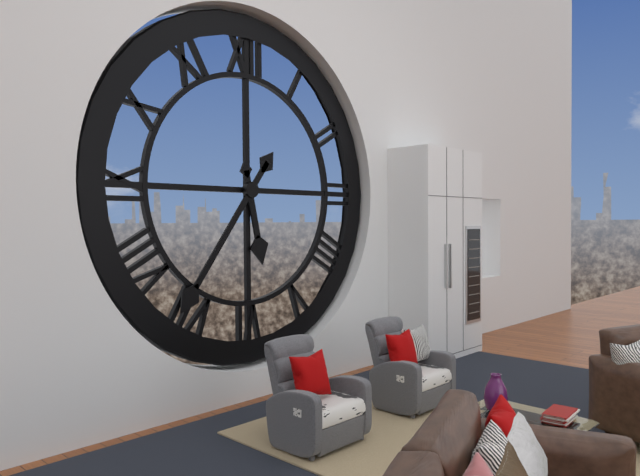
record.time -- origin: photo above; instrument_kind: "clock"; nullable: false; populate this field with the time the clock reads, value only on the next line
5:36
